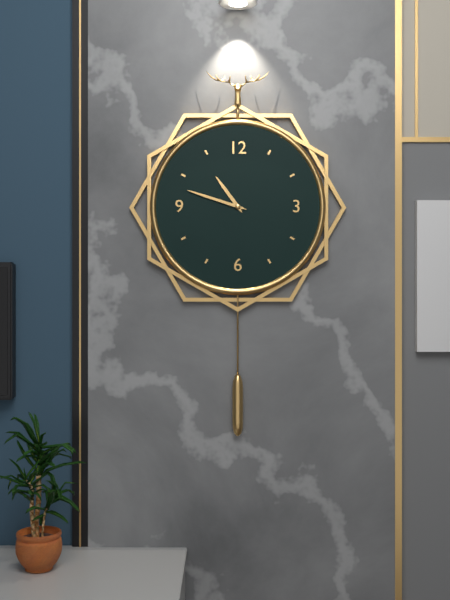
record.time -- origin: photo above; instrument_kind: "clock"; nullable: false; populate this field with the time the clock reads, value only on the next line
10:48
